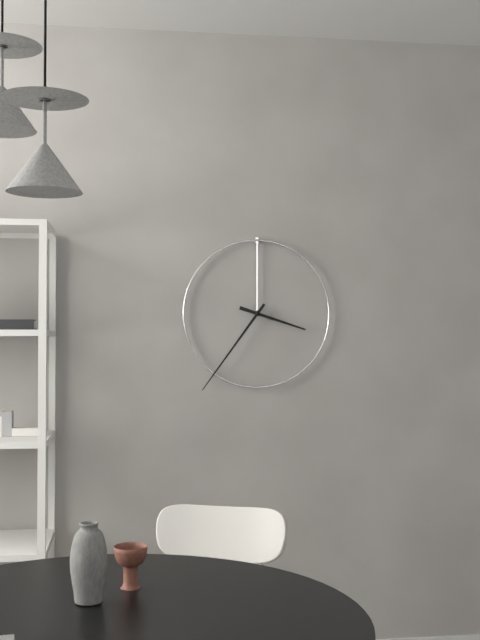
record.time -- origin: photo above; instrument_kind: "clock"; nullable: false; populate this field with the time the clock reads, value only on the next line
3:36
